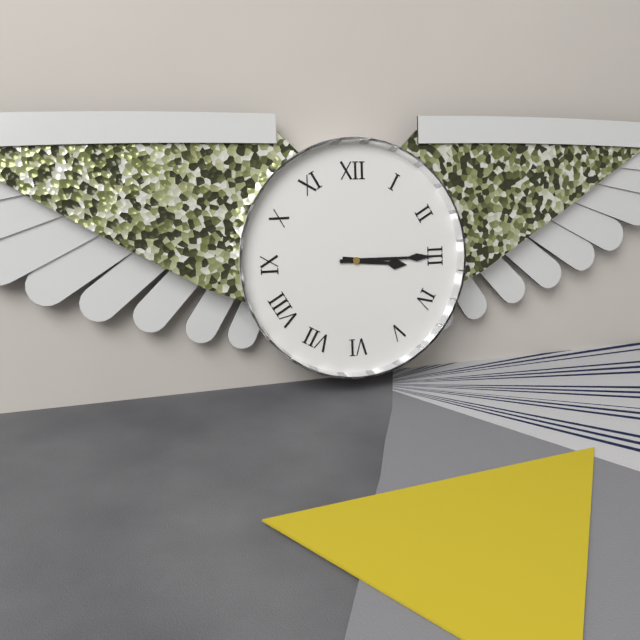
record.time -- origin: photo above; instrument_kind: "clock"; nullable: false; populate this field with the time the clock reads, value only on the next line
3:15
